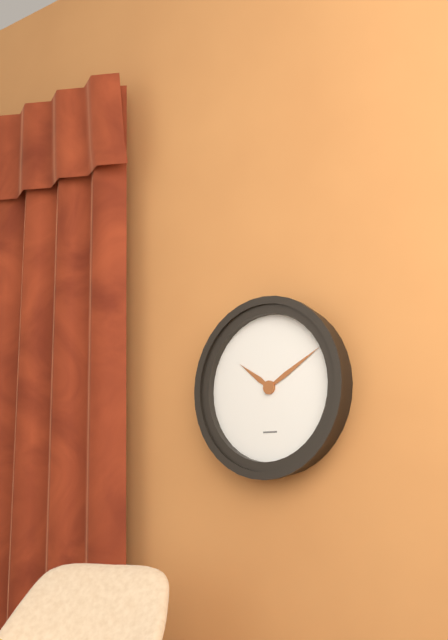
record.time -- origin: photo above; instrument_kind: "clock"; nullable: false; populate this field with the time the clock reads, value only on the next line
10:10
